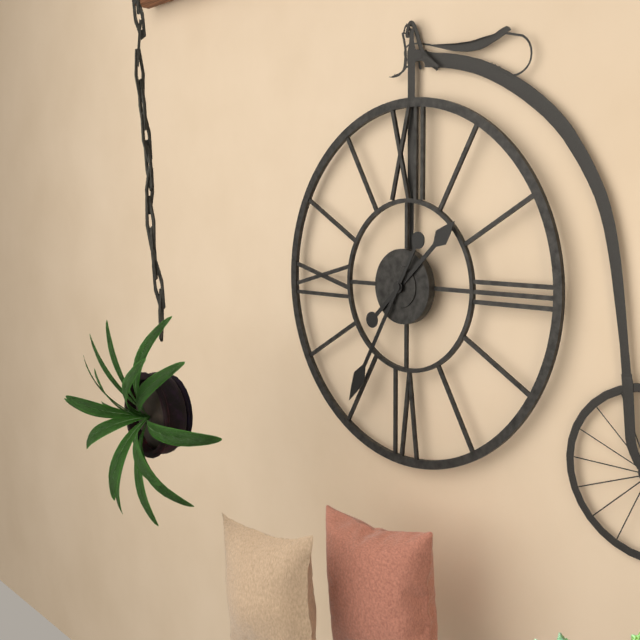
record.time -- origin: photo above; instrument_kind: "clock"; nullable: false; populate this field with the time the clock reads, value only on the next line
1:35
